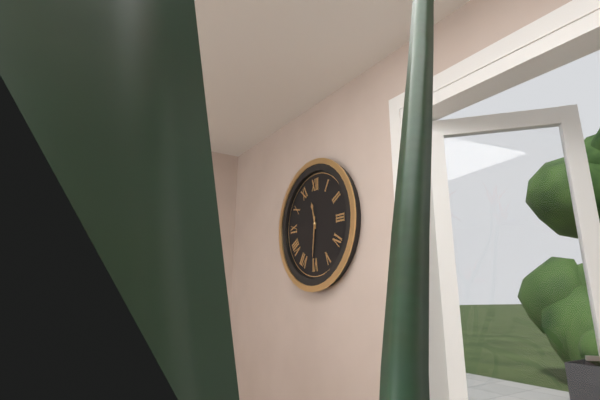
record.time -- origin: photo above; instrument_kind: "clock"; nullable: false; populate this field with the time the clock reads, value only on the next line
11:31
